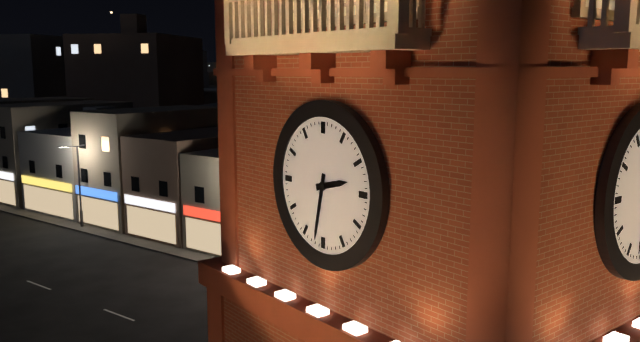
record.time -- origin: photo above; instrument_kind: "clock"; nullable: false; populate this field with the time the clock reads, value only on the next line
2:32
